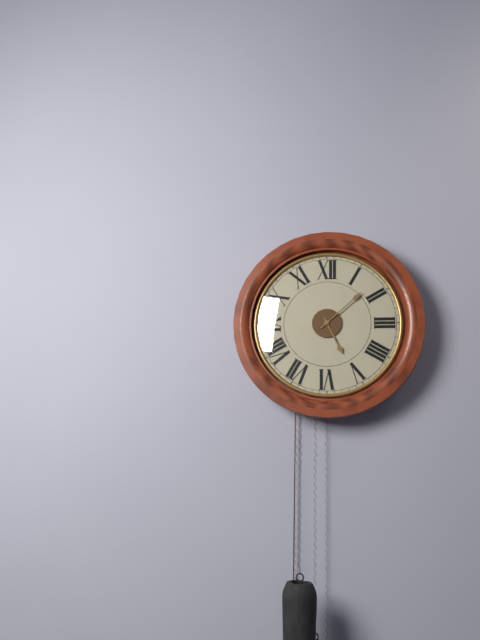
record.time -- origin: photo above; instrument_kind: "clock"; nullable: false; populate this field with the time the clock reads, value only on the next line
5:08
